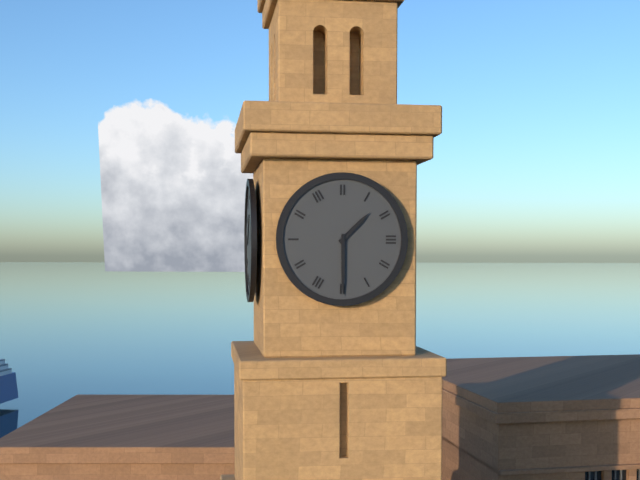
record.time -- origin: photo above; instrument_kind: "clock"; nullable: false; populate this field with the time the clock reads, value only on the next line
1:30
